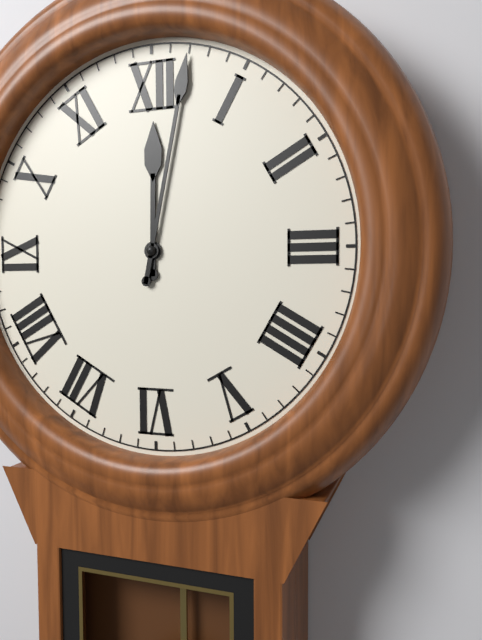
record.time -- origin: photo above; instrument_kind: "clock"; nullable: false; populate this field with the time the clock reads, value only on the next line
12:02
